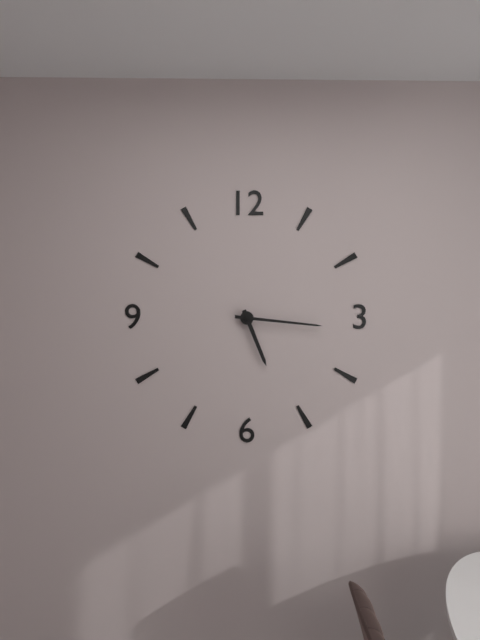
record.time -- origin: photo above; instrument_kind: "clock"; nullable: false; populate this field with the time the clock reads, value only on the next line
5:16
